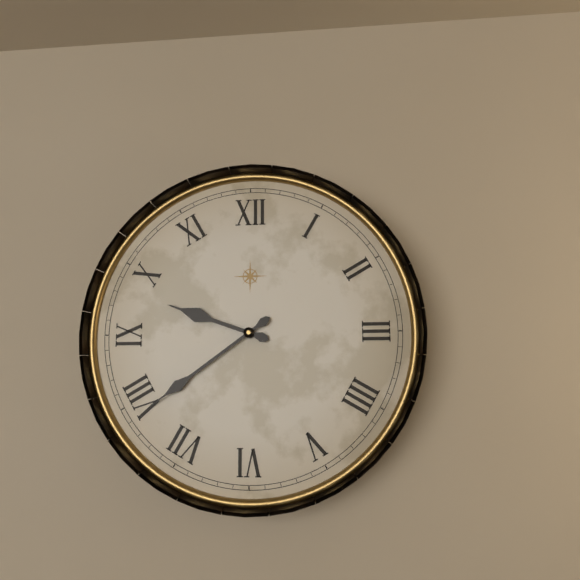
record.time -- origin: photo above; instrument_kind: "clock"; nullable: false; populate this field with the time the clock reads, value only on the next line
9:39
